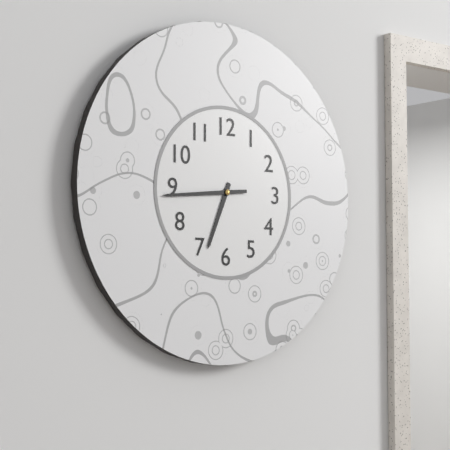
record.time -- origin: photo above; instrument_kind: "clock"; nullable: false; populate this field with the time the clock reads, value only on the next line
6:44
